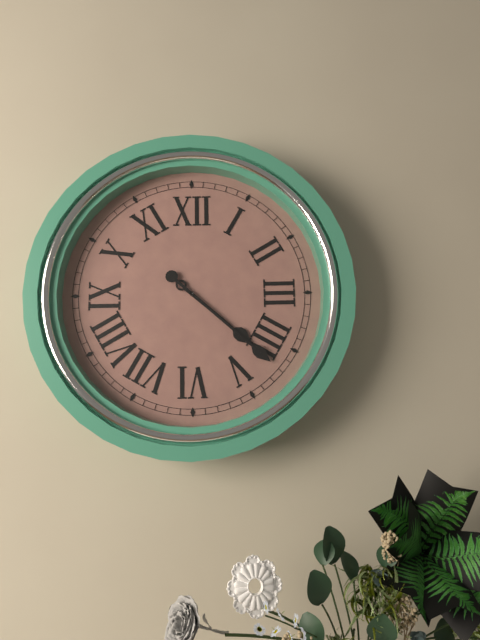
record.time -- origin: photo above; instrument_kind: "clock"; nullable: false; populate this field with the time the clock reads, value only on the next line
4:22
